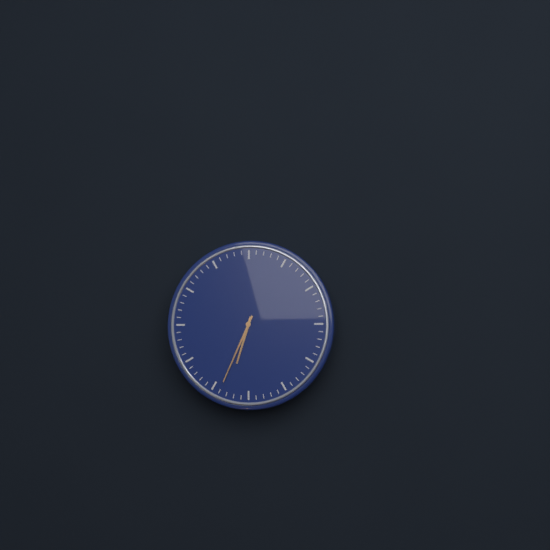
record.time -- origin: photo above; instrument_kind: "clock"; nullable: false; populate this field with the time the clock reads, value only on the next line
6:34
